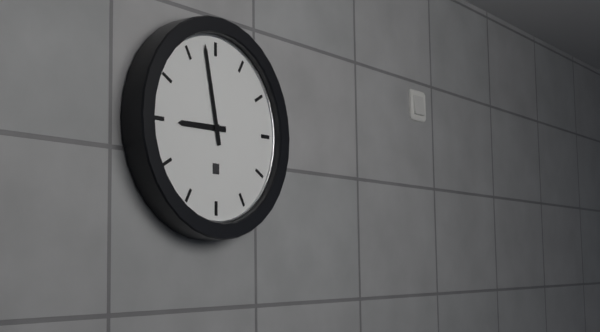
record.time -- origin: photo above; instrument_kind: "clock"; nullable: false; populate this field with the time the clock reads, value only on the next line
8:58
